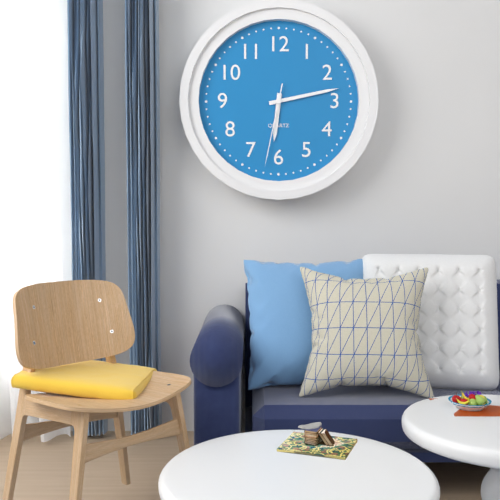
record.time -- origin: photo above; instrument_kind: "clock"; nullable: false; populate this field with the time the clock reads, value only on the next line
6:13:32
